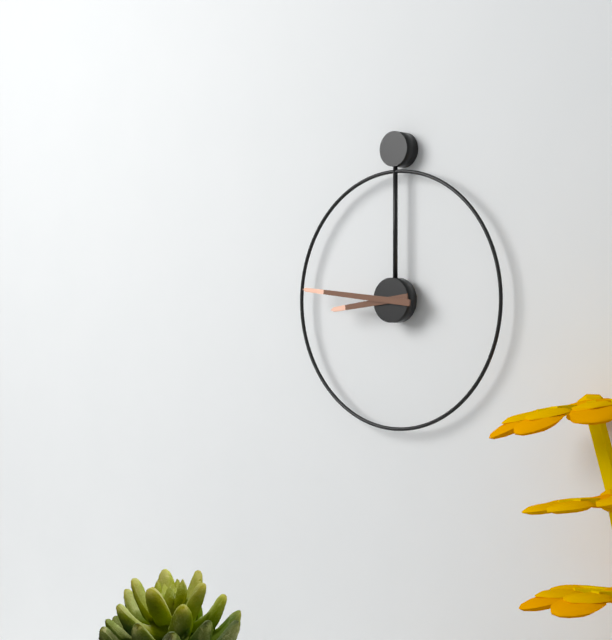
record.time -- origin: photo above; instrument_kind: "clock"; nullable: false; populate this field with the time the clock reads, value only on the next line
8:46
